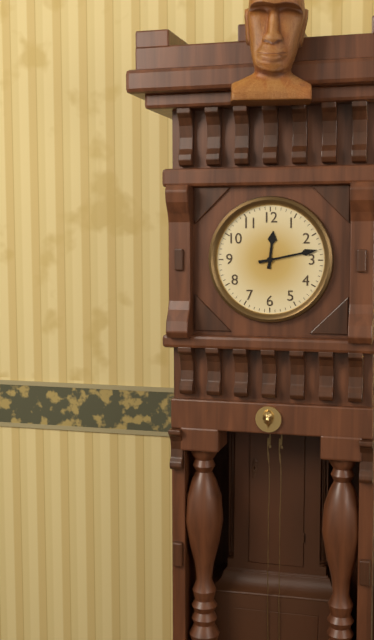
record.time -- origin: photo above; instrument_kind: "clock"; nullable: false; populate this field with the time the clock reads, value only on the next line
12:13
